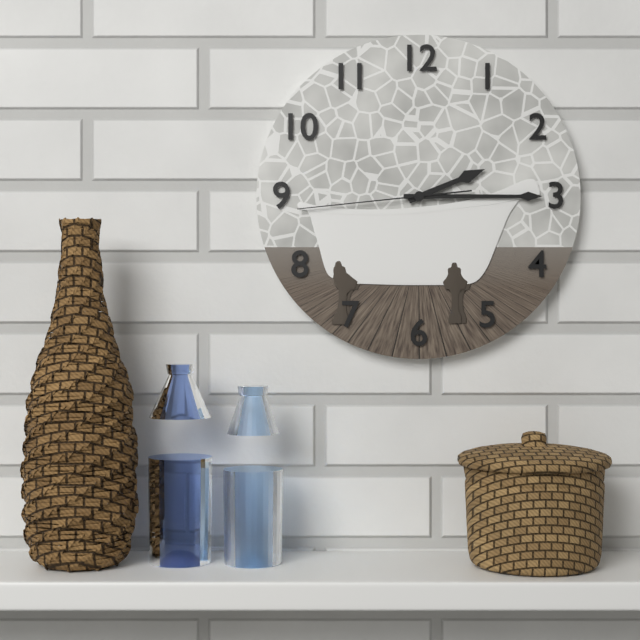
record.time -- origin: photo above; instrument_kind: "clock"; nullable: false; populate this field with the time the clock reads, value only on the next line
2:15:44
